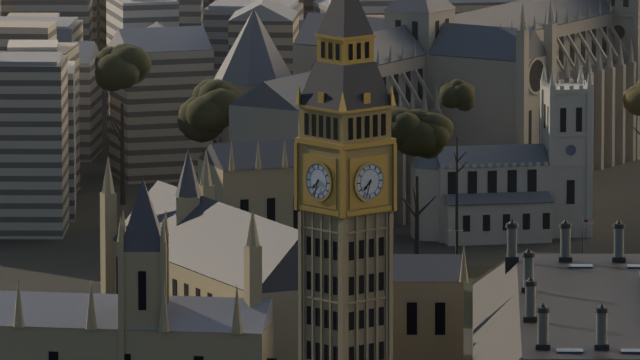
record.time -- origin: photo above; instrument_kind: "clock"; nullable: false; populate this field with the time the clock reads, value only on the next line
7:33
